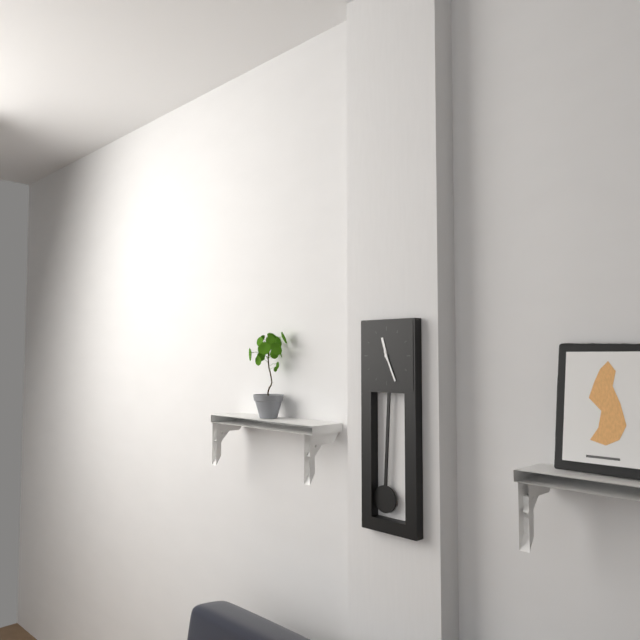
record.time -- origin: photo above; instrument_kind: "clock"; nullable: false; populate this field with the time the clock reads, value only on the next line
11:26
